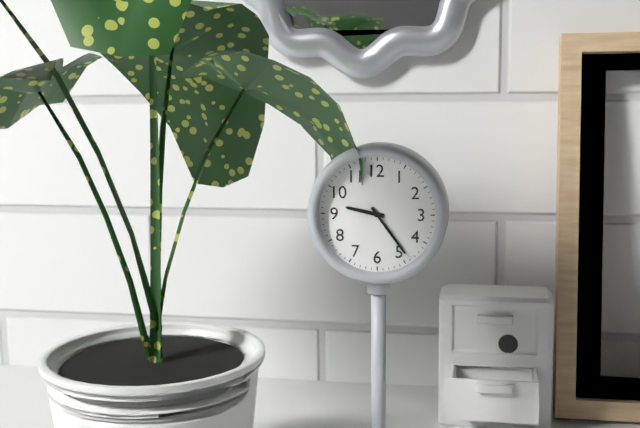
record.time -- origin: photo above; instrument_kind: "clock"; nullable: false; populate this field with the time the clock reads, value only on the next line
9:24
